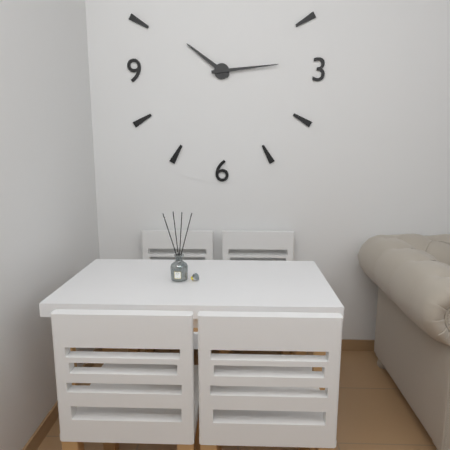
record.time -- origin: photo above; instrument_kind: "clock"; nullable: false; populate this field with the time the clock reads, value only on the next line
10:14
